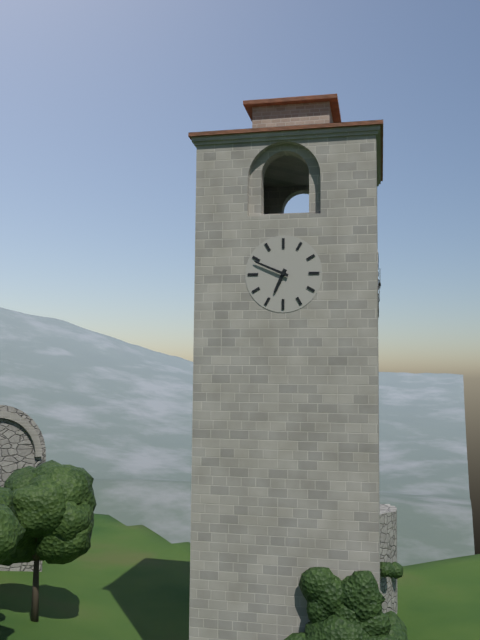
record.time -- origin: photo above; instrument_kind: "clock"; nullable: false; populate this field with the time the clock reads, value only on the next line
6:49
